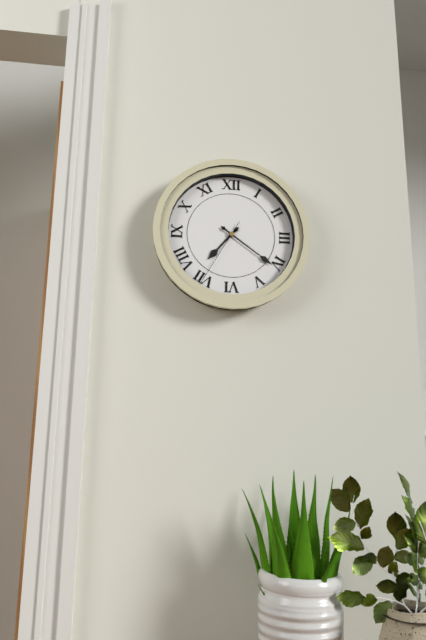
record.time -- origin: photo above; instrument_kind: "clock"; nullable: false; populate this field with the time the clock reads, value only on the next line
7:21:35
